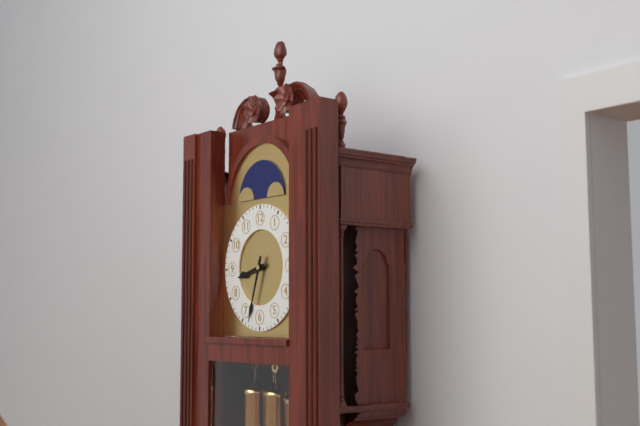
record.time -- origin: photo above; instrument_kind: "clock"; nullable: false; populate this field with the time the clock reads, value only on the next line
8:33
